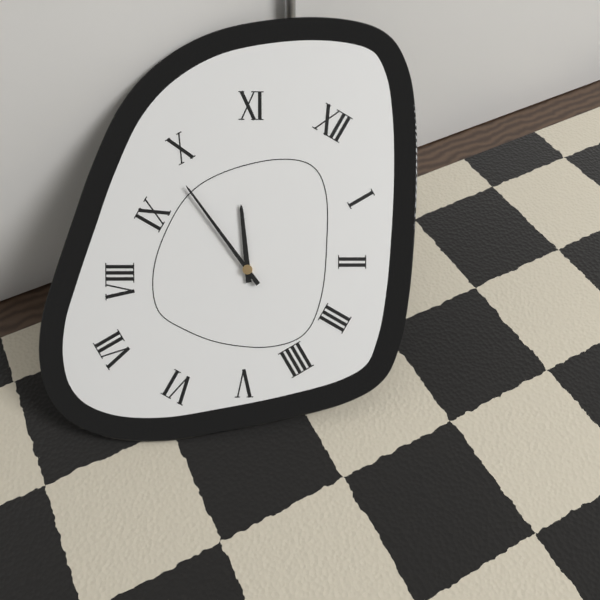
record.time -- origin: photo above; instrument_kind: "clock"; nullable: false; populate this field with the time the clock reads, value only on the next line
10:49
